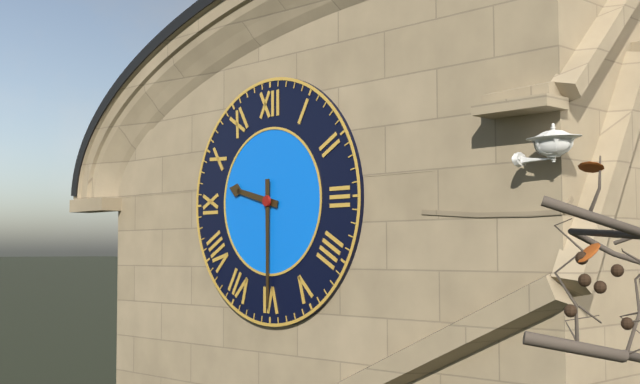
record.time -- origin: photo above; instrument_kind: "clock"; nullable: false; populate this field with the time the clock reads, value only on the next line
9:30
